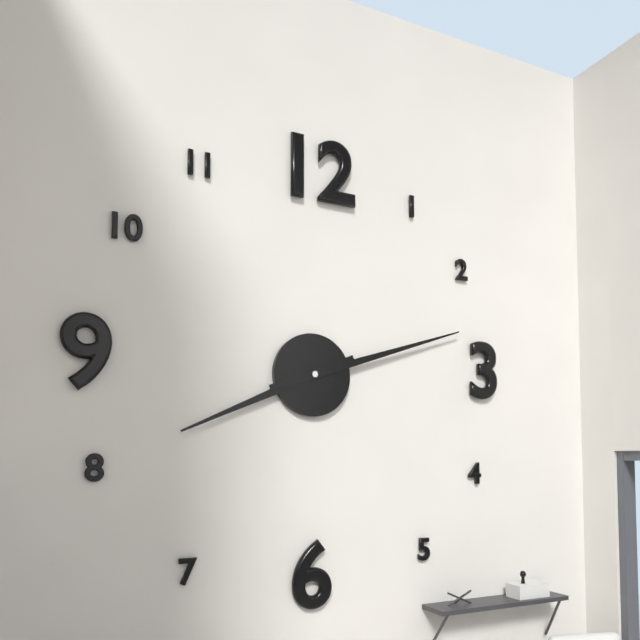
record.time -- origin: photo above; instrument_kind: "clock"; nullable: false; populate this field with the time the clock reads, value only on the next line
8:12
